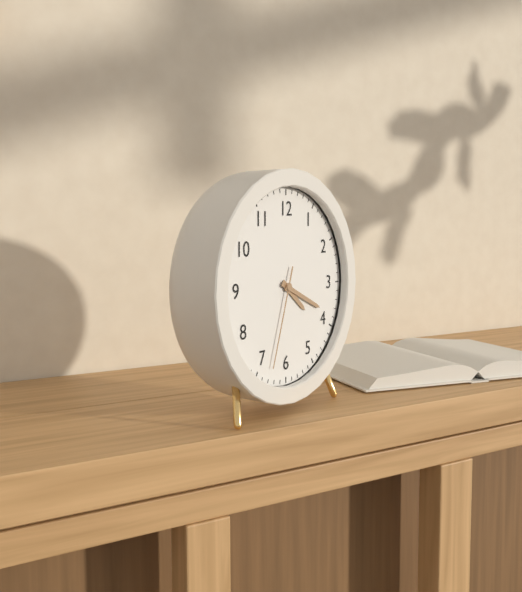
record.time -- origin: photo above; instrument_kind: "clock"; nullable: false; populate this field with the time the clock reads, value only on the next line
4:19:33
